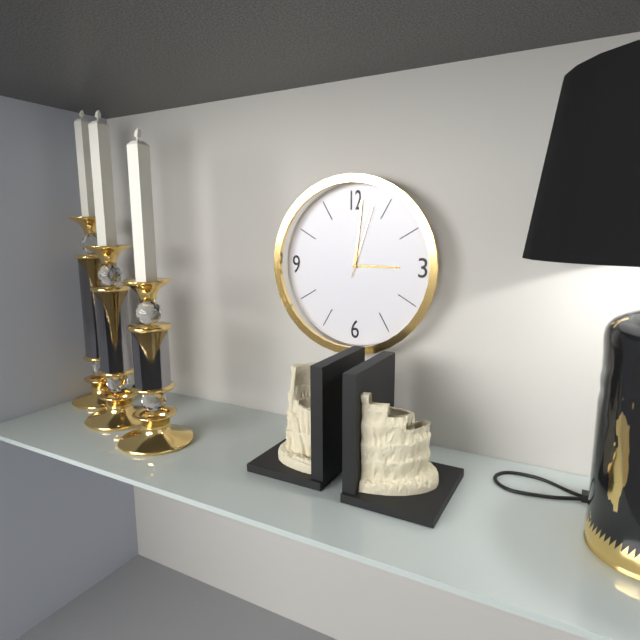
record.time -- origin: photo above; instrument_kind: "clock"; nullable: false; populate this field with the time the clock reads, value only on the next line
3:01:03
